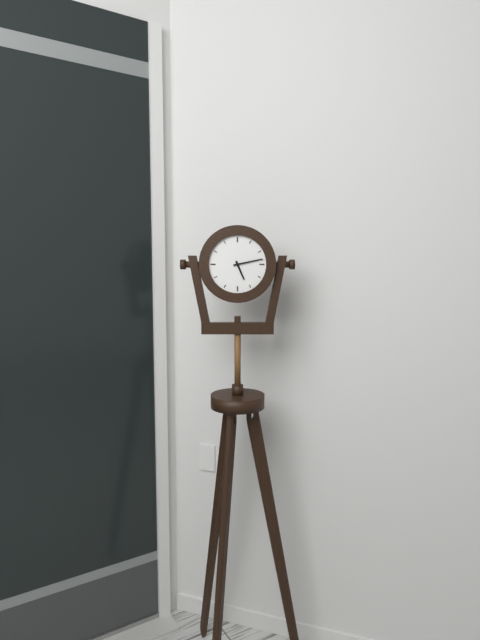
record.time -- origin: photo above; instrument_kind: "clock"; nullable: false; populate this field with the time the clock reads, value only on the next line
5:13
